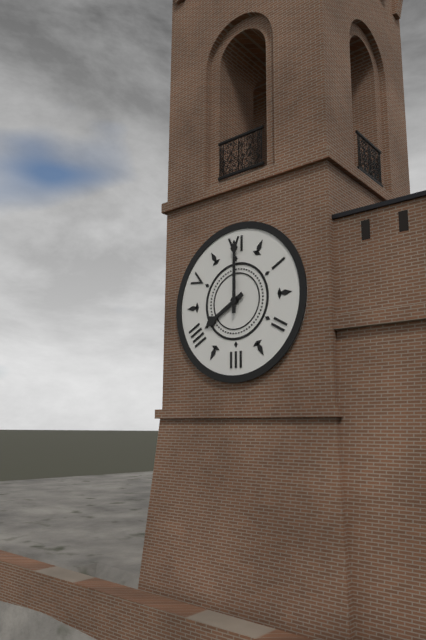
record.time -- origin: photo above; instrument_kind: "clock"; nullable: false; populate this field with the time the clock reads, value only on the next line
8:00
